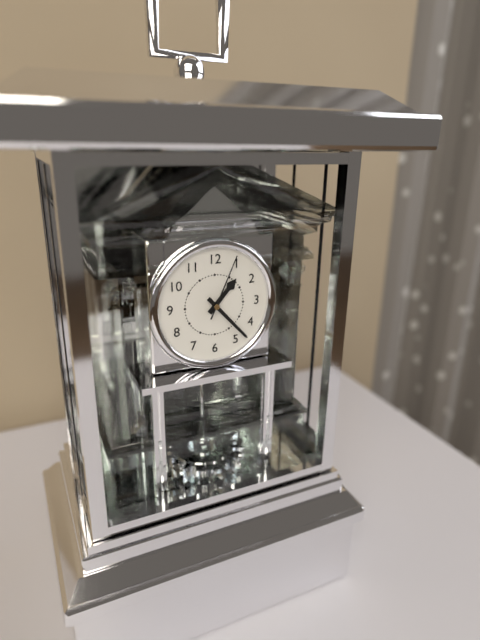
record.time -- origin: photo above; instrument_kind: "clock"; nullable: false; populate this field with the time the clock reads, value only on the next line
1:23:04
